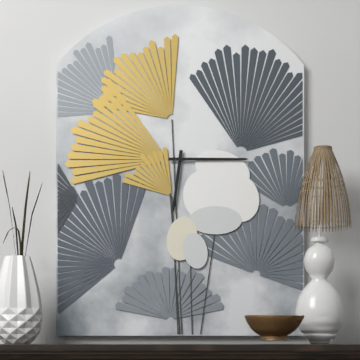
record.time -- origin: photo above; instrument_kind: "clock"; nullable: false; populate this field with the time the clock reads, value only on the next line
6:15
